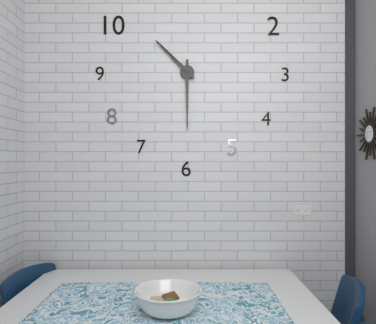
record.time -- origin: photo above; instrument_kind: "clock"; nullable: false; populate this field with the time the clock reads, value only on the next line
10:30
